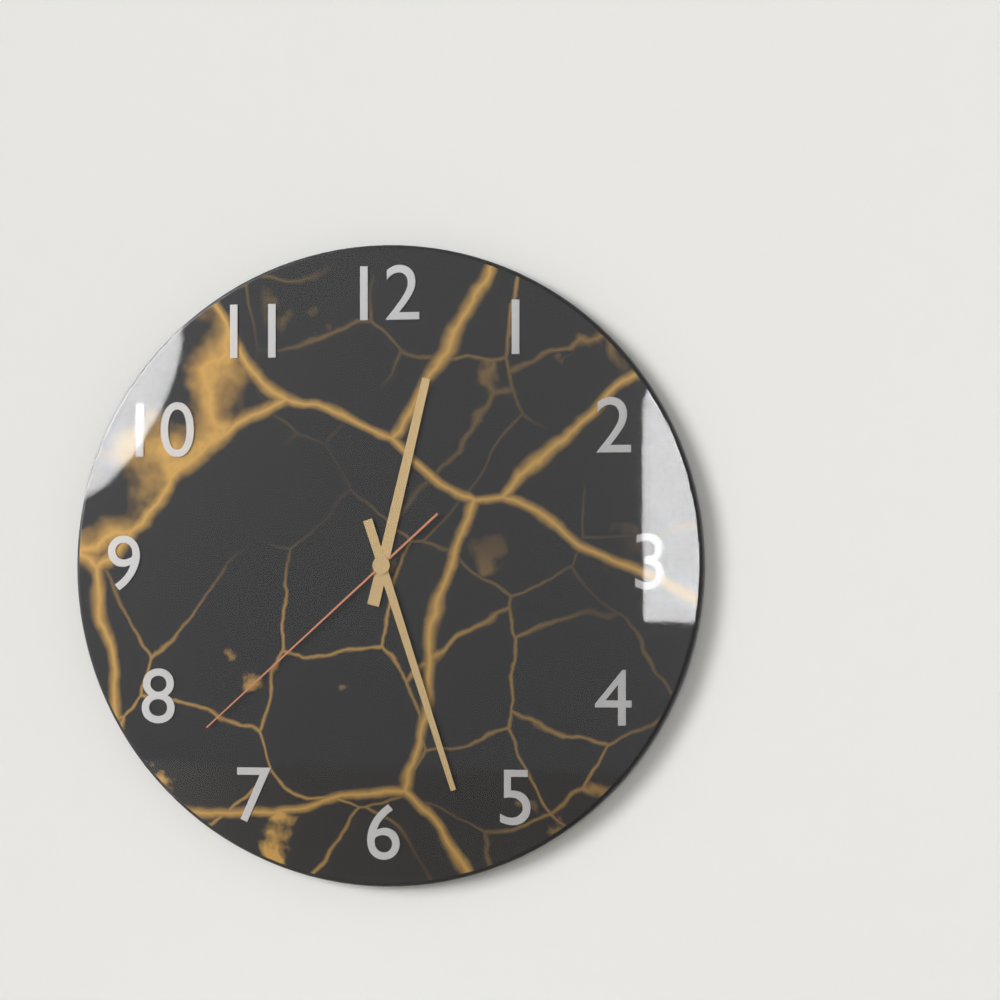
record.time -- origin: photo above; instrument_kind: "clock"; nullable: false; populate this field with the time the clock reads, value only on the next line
12:27:38
